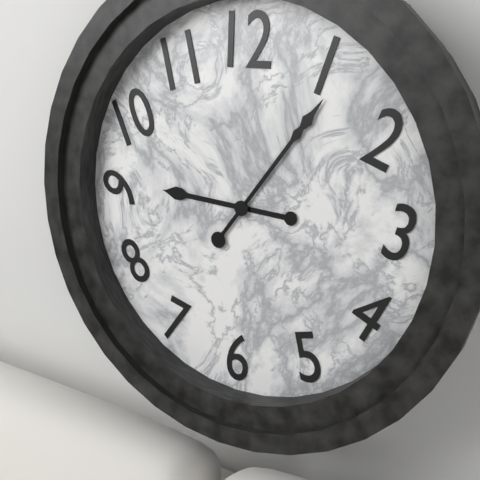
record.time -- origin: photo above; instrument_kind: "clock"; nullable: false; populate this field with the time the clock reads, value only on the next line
9:06
